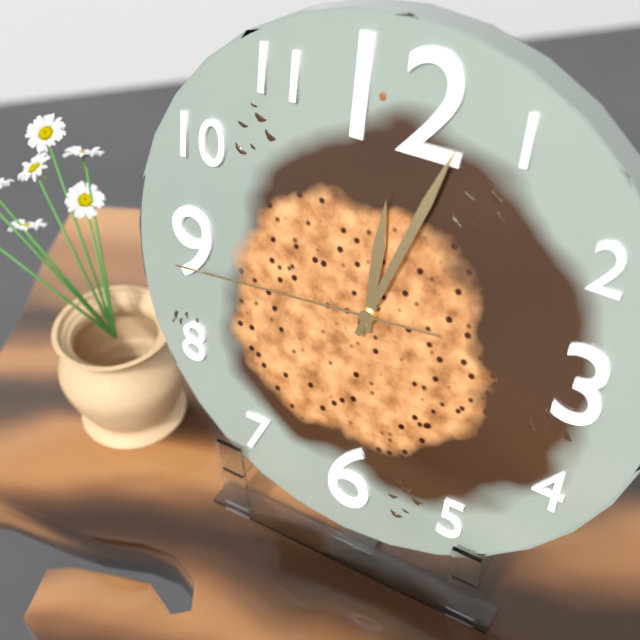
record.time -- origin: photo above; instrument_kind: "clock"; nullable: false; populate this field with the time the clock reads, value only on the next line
12:03:44
